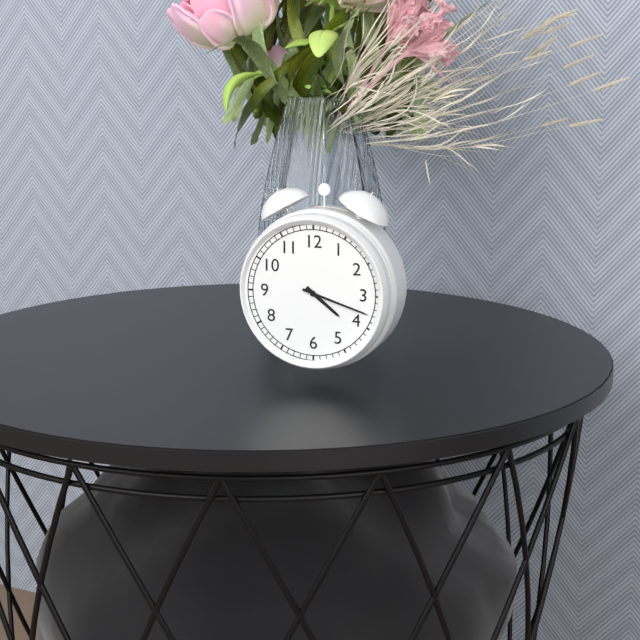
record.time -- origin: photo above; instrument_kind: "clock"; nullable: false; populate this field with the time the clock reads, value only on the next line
4:18
